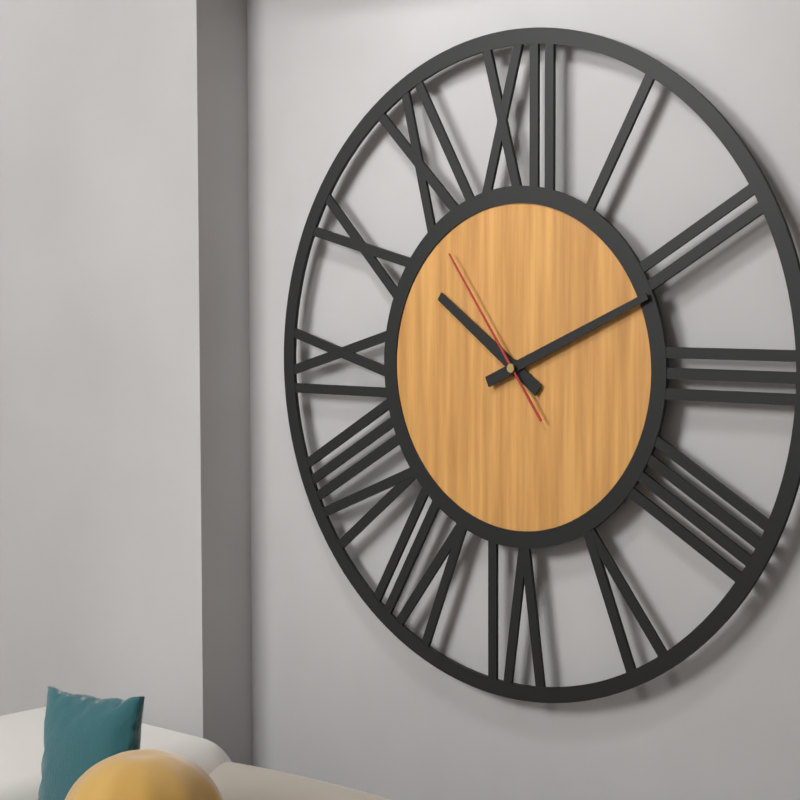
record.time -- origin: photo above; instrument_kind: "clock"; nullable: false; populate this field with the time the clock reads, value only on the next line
10:11:54
